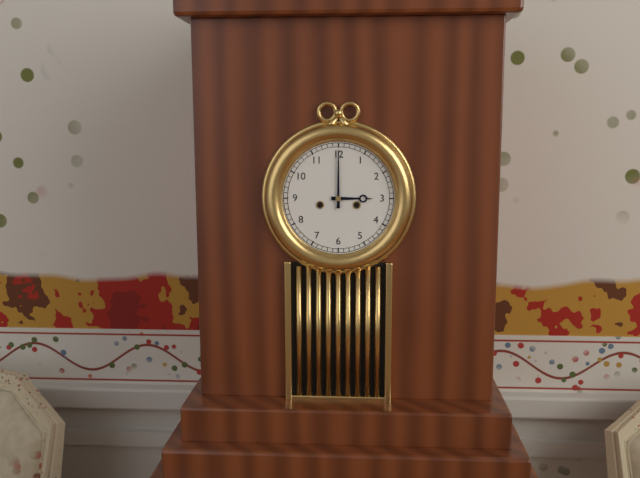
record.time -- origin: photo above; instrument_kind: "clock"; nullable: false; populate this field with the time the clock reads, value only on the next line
3:00
